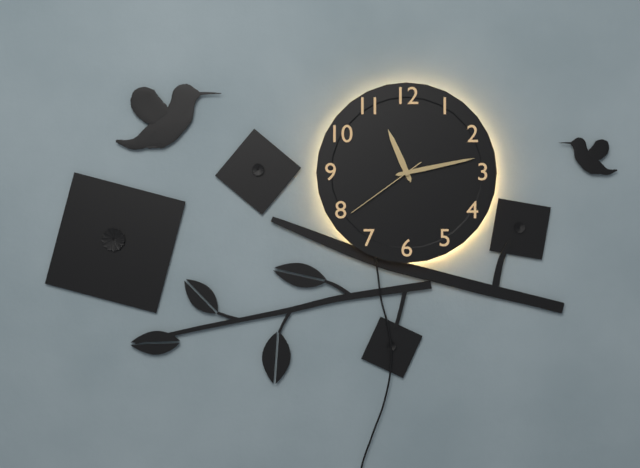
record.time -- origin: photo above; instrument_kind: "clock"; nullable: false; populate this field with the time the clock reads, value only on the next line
11:13:39
